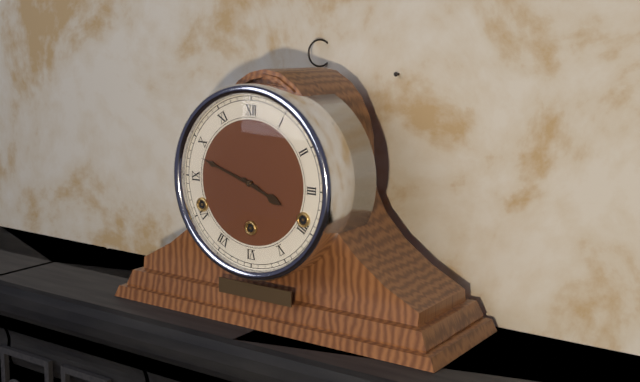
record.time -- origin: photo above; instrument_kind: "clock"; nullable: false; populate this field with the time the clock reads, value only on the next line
3:48
